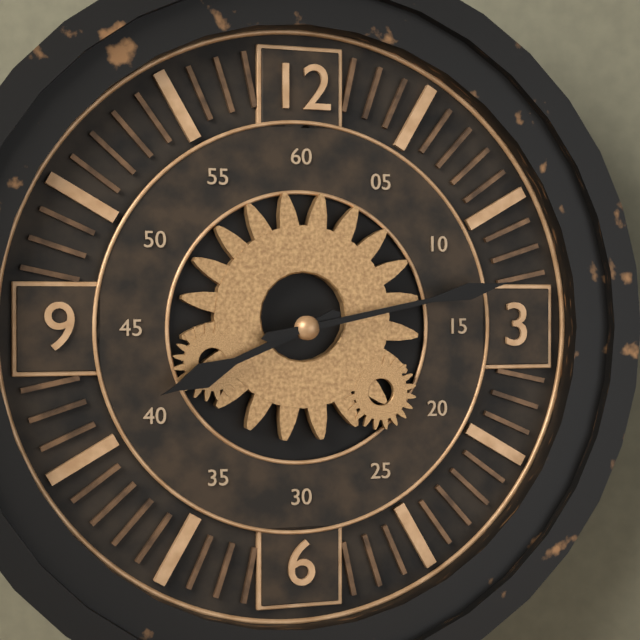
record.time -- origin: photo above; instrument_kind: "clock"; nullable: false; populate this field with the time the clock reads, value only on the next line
8:13
